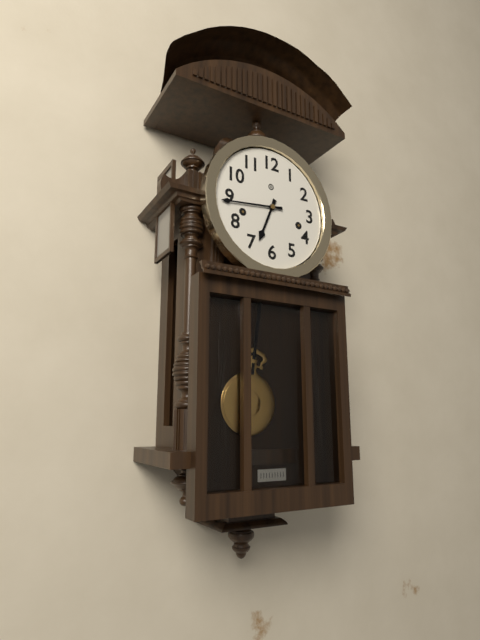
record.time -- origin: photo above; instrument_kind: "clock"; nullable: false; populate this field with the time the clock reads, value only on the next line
6:44
